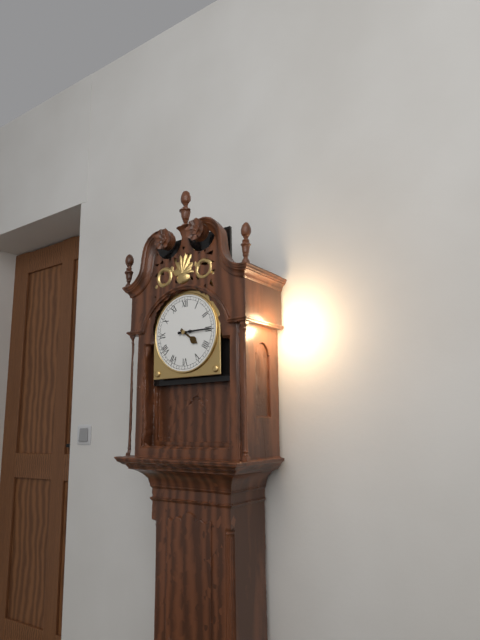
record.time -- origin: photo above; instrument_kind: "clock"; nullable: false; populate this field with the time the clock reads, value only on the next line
4:15
